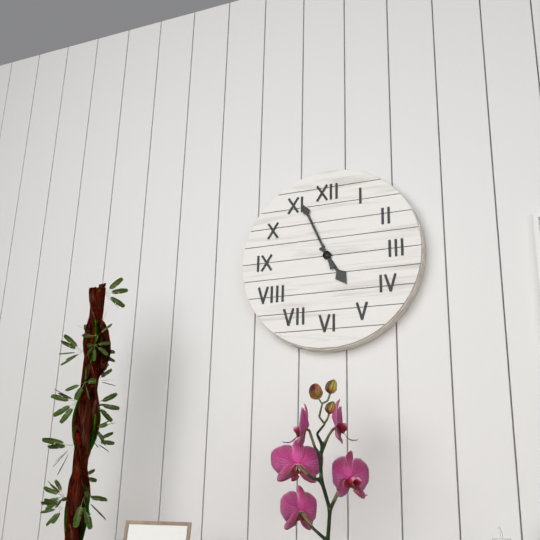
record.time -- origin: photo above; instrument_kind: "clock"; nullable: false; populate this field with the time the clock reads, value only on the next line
4:56
